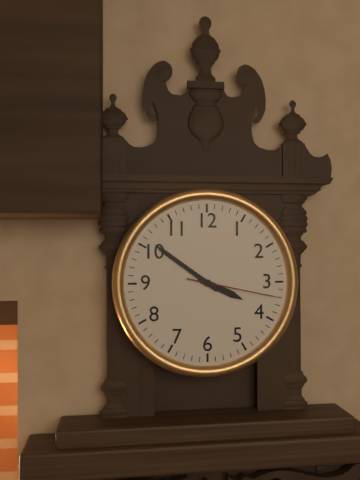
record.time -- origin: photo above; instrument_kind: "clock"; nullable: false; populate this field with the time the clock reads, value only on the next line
3:51:17
